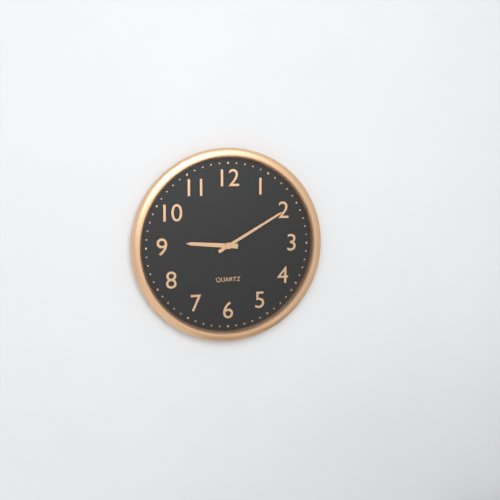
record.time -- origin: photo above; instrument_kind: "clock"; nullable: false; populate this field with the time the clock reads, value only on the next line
9:10
